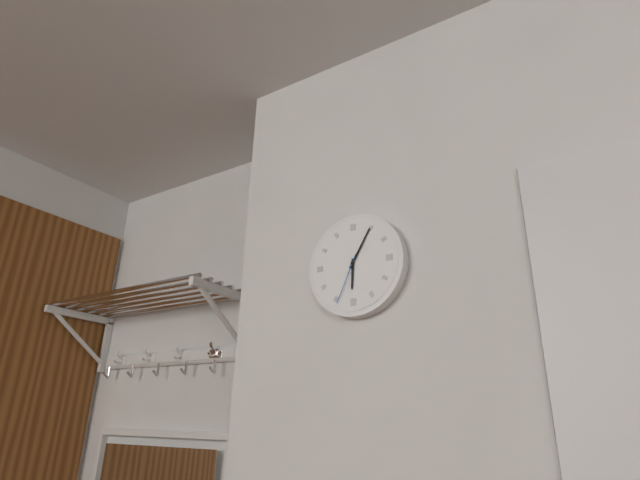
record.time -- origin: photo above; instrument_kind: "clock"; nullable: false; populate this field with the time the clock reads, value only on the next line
6:05:34
